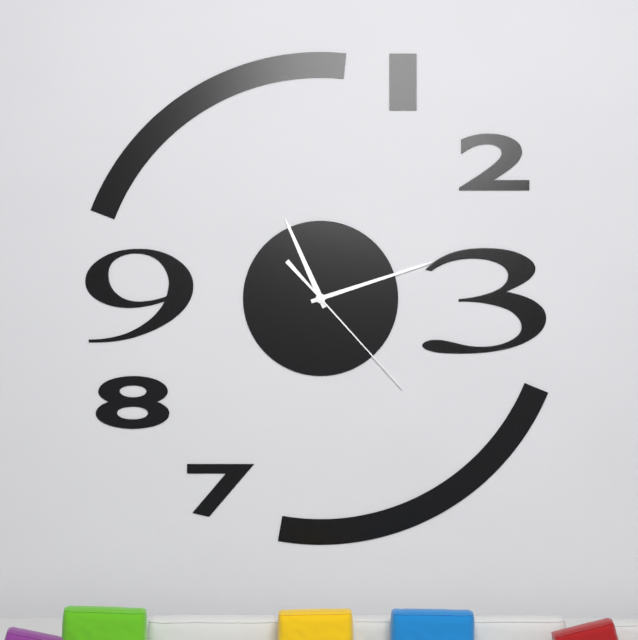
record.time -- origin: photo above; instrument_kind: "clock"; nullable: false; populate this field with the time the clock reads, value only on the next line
11:12:23
